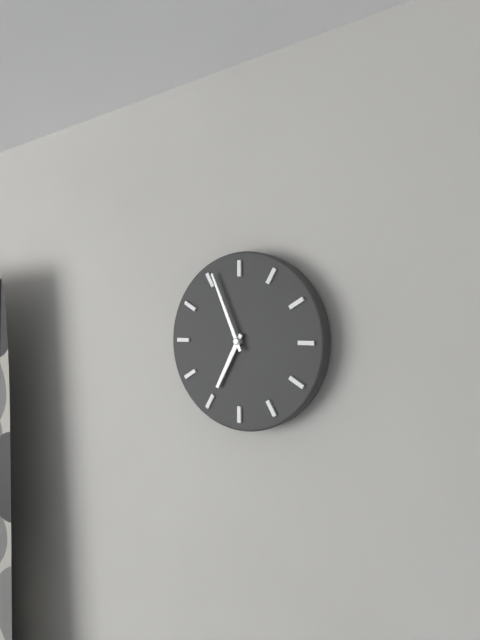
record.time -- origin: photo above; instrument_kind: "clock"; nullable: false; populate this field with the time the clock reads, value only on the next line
6:56
